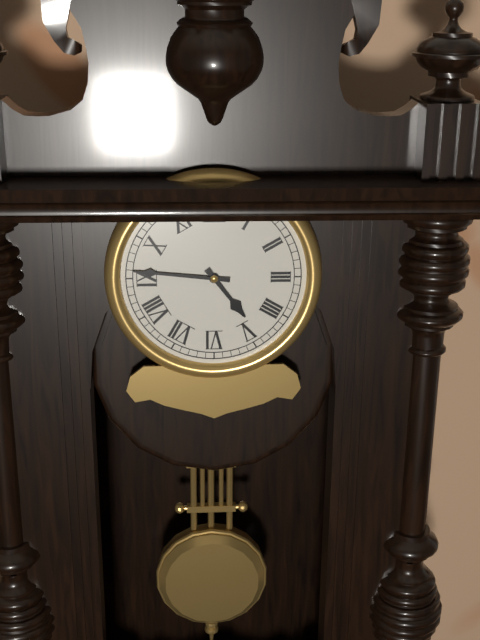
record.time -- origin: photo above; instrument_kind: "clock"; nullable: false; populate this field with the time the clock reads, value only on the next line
4:46
